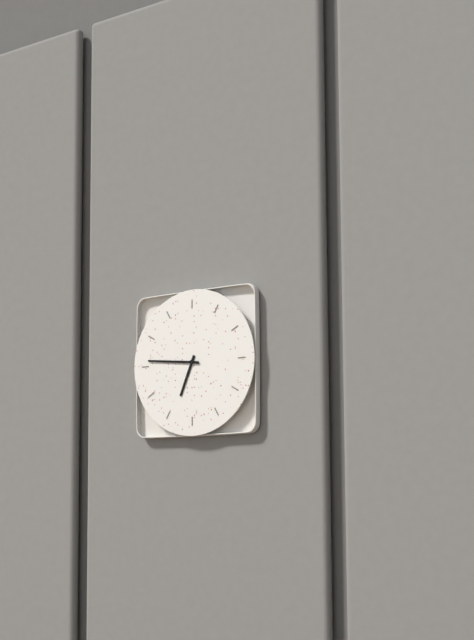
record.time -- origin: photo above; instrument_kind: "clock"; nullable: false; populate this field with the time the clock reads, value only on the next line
6:46
